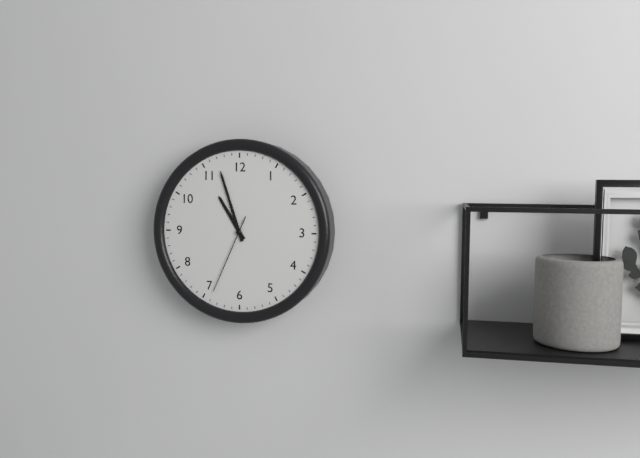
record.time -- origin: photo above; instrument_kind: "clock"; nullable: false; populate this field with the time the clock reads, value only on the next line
10:57:34
